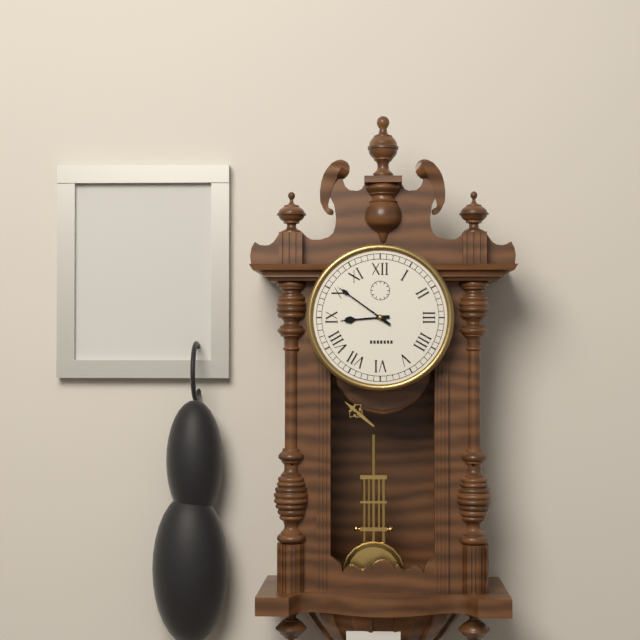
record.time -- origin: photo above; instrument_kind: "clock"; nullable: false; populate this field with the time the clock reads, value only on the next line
8:51
